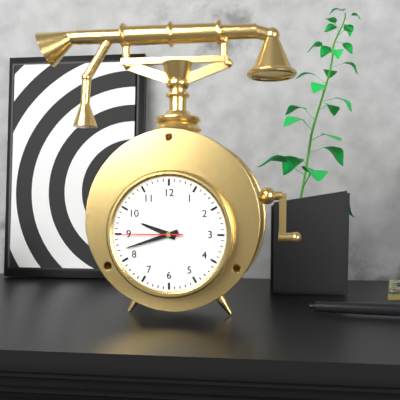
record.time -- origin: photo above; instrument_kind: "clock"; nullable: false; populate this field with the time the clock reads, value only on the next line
9:42:45
